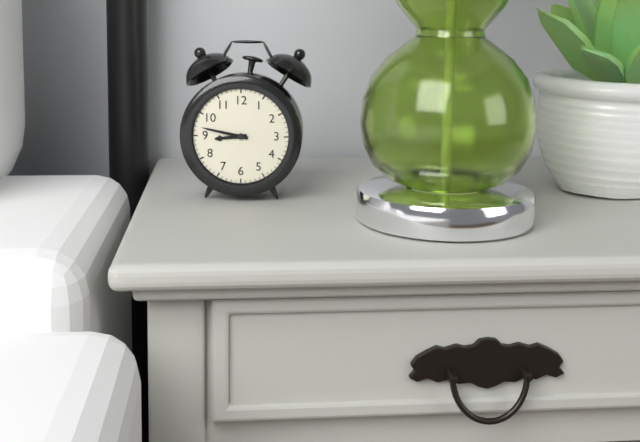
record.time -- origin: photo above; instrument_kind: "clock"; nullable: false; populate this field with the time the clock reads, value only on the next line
8:47
